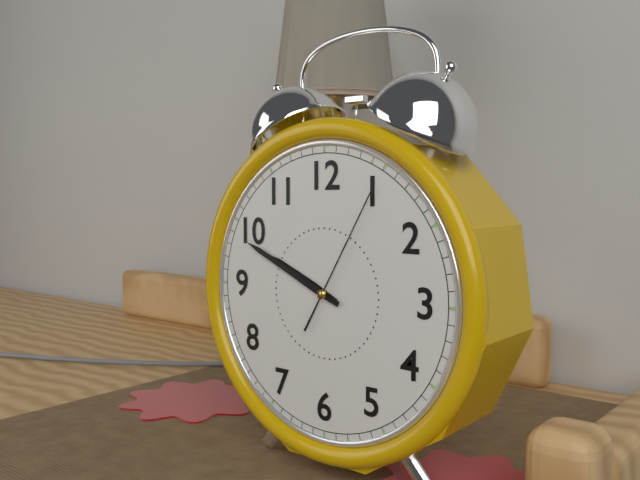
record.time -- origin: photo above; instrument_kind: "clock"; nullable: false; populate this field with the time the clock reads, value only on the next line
9:49:05
